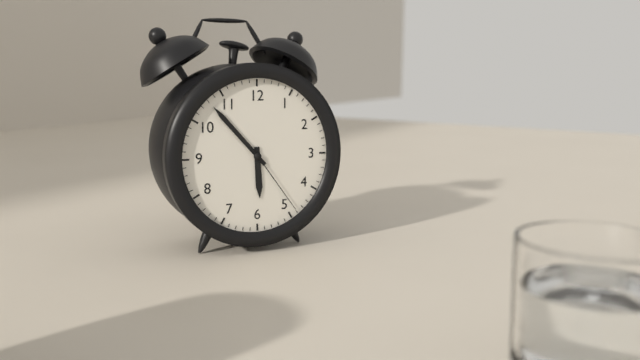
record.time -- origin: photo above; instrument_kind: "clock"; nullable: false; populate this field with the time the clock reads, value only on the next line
5:53:24
